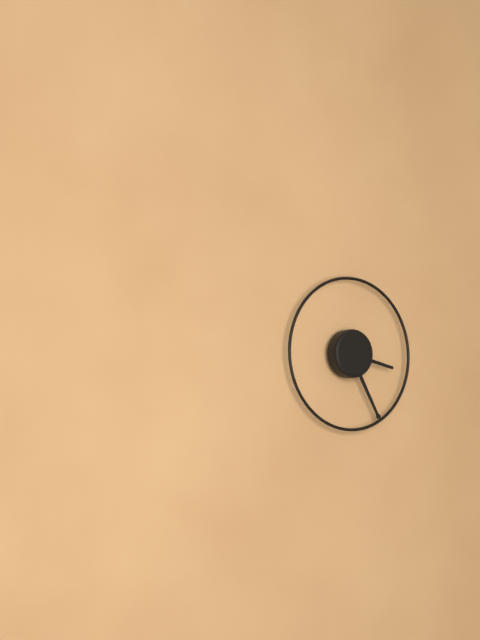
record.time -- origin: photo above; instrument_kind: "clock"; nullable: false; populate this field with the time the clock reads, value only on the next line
3:25
